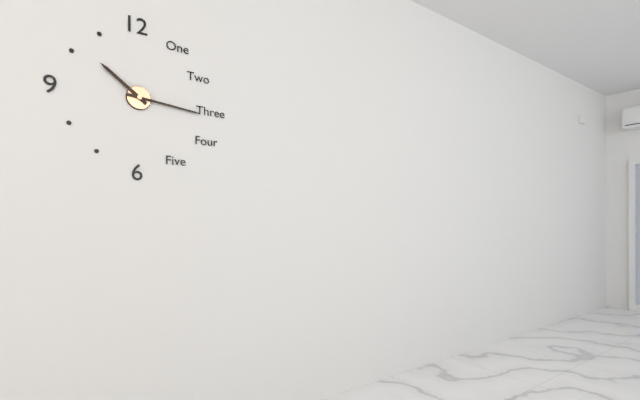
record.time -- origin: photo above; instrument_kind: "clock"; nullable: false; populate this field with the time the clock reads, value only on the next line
10:16
